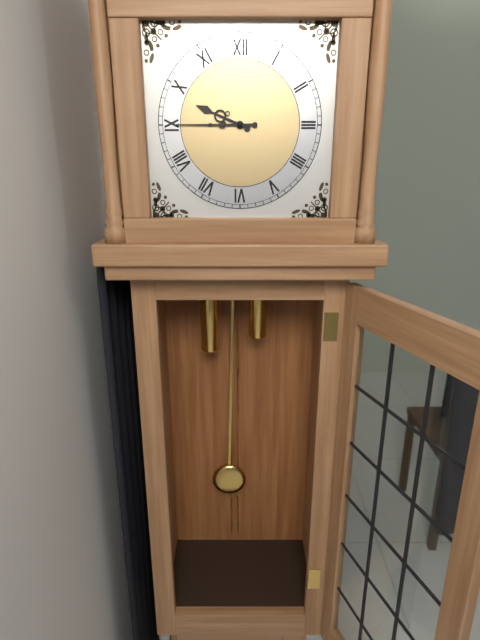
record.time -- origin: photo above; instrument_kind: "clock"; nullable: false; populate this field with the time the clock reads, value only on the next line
9:45
